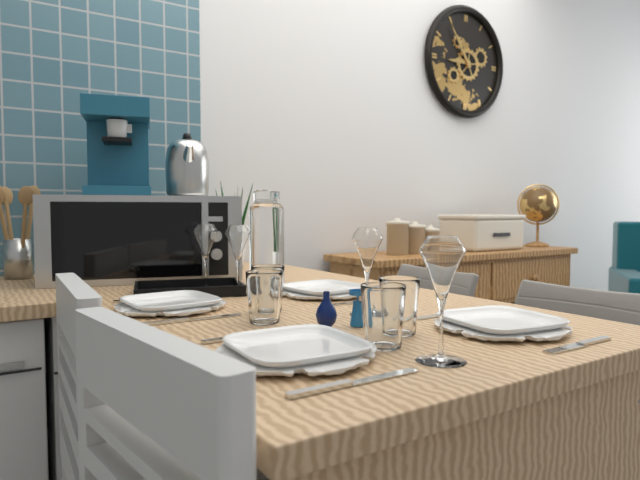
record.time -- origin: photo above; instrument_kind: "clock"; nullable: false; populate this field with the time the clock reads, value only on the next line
8:54
